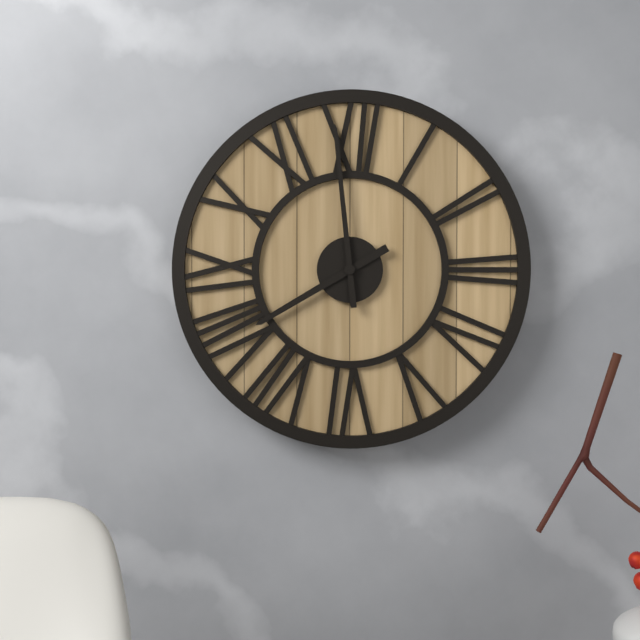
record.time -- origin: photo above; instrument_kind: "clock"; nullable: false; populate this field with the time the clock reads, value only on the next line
7:59
